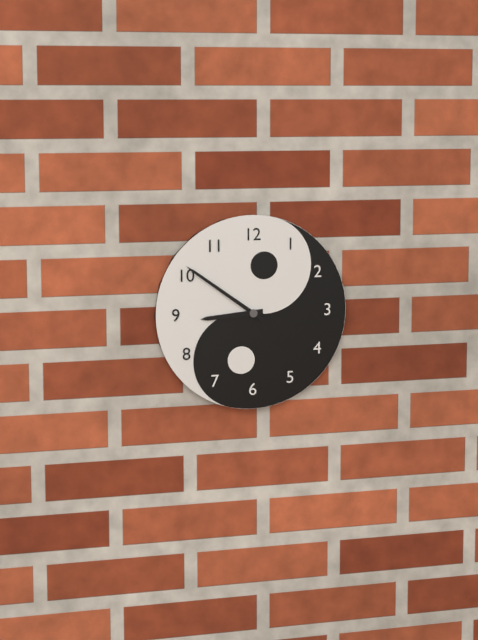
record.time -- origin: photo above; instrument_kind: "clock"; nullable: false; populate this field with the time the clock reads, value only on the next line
8:51
